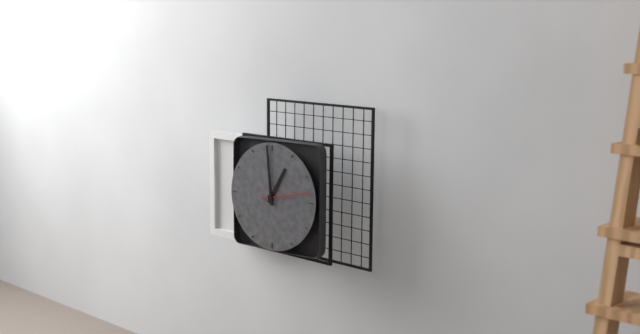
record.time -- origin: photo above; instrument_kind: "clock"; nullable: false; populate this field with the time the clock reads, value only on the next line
12:59
